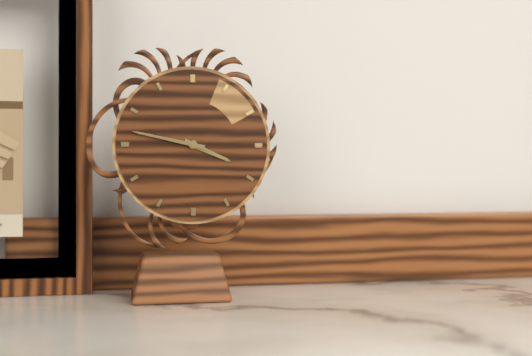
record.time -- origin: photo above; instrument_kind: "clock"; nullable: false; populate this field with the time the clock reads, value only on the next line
3:47
